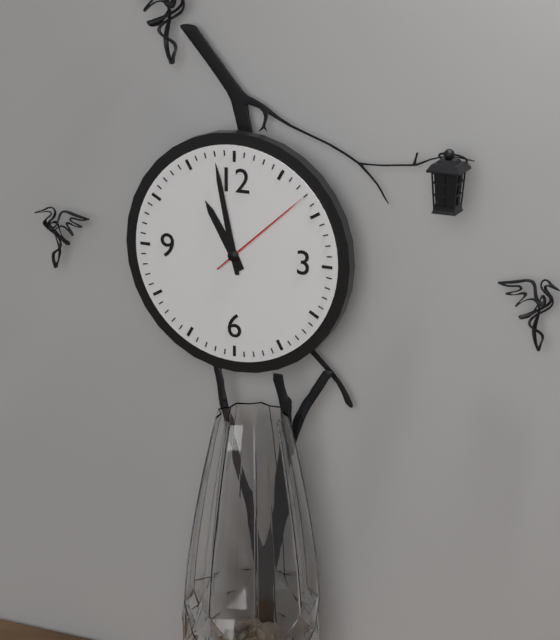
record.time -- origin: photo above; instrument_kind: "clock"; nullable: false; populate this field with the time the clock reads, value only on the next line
10:58:08
